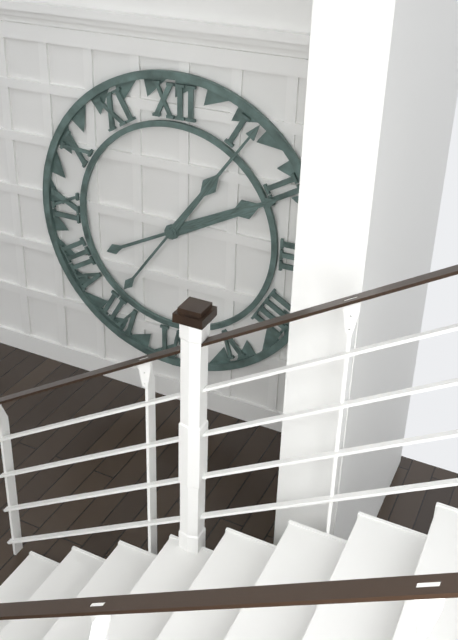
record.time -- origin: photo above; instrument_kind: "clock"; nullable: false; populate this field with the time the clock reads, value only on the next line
2:06
